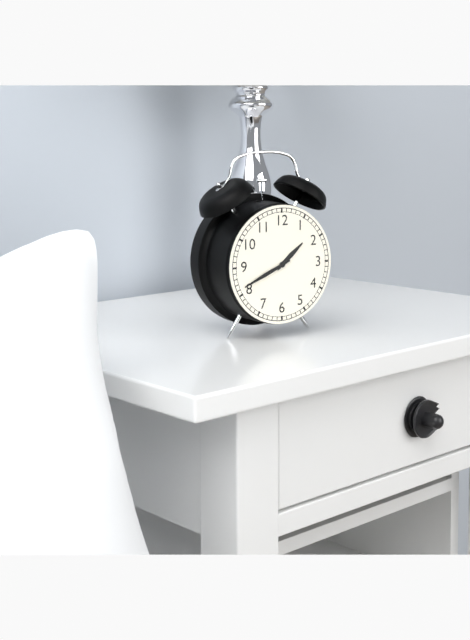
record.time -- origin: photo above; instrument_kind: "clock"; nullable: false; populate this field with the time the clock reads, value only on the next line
1:41
